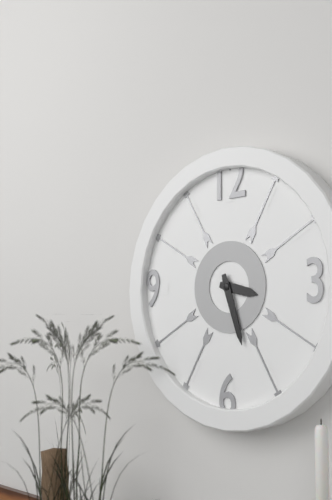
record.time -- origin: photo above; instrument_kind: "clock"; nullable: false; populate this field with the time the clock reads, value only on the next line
3:27
